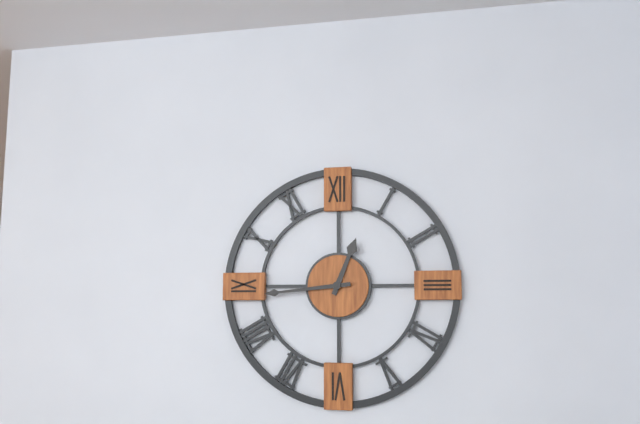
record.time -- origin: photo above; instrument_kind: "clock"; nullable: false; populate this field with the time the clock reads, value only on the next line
12:44
